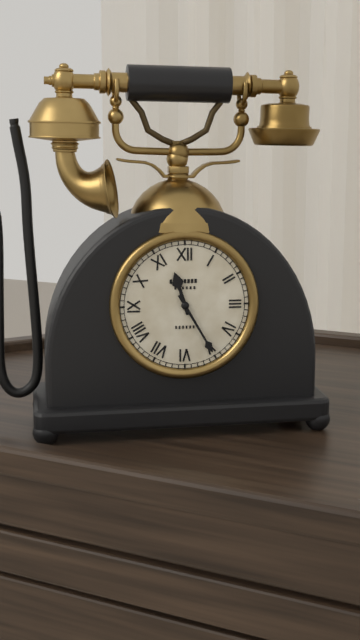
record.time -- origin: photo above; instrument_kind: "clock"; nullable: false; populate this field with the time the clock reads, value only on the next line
11:25
